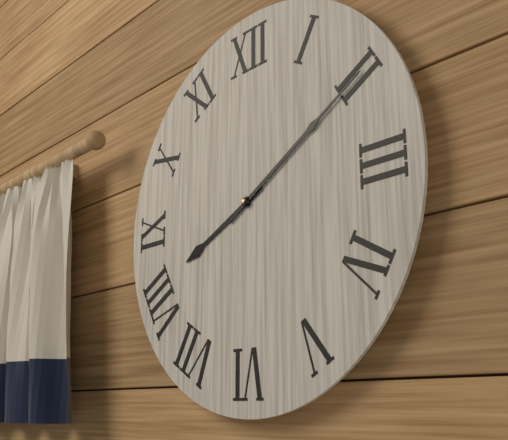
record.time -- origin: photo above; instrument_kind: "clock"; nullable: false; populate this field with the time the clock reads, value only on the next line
8:10
